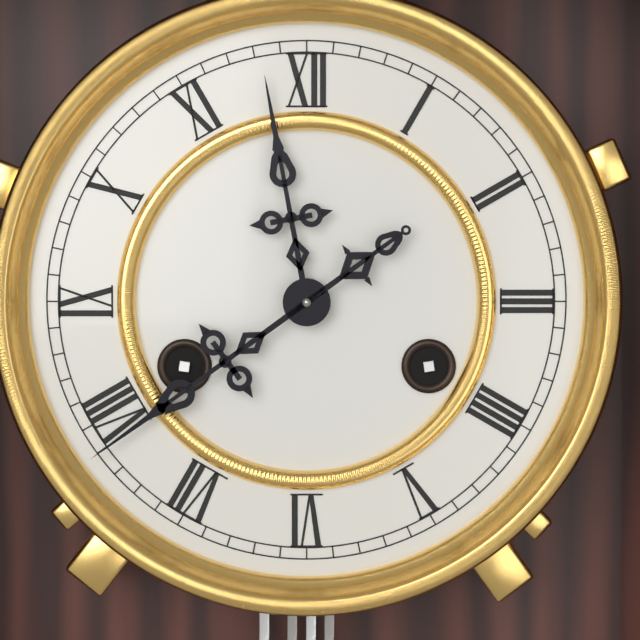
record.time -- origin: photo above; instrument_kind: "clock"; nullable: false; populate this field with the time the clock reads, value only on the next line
11:39
